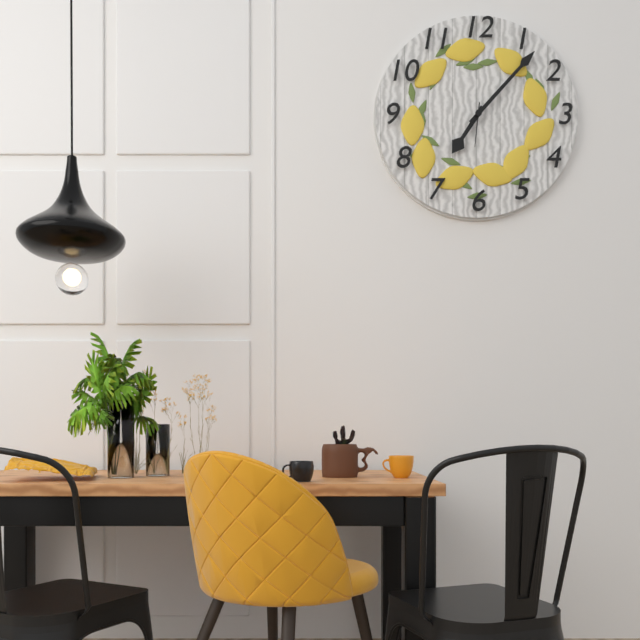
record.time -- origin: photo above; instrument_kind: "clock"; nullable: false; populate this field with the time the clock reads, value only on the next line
7:07
